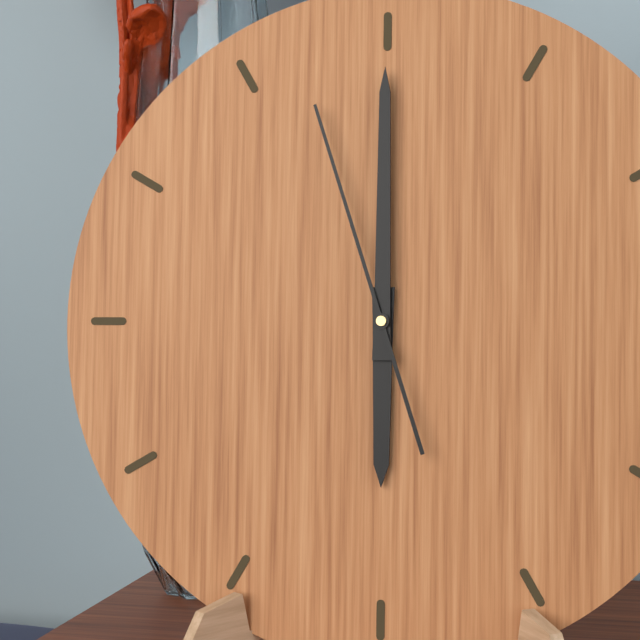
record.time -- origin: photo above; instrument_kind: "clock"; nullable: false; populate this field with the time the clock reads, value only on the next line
6:00:57
